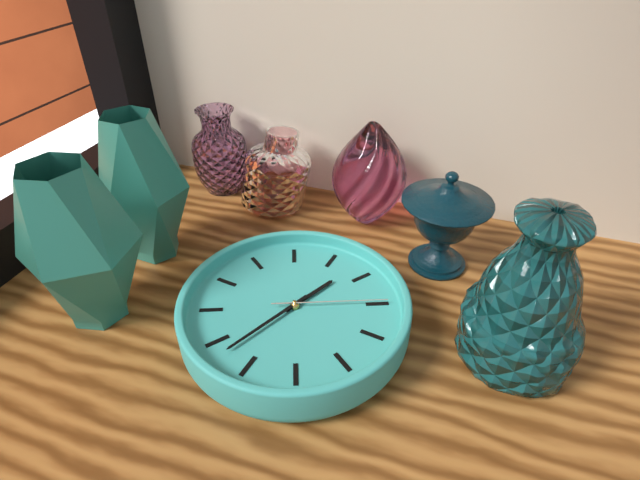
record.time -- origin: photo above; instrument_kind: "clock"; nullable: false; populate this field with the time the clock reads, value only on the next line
1:38:15
